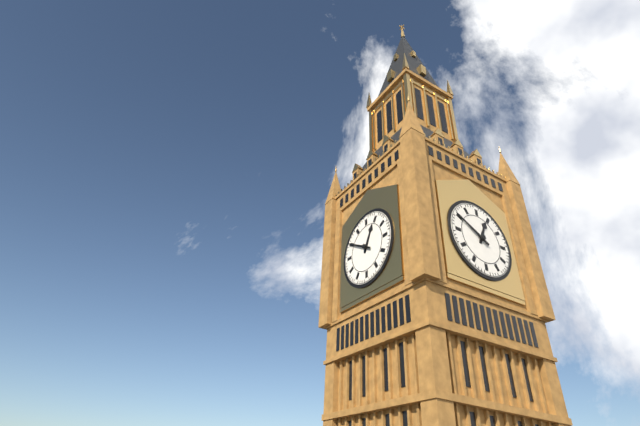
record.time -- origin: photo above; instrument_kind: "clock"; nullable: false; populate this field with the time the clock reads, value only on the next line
12:50
